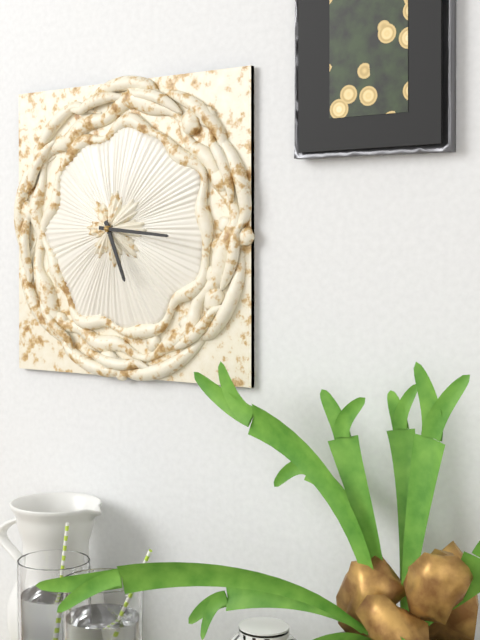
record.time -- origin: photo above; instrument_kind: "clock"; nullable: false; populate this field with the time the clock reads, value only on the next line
5:16
